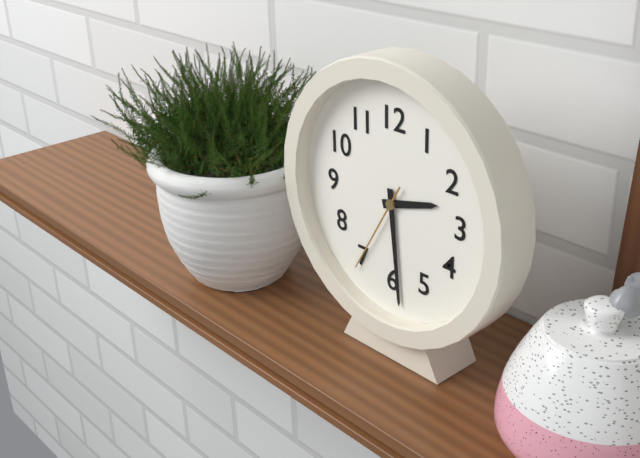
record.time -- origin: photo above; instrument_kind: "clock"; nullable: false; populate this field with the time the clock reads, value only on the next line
2:29:35
